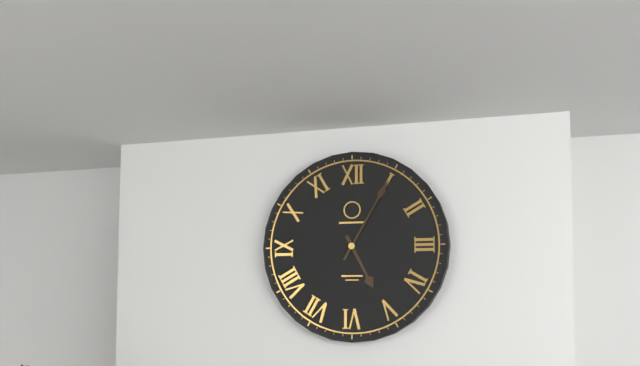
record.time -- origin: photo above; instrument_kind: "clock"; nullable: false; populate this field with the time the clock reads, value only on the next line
5:05
